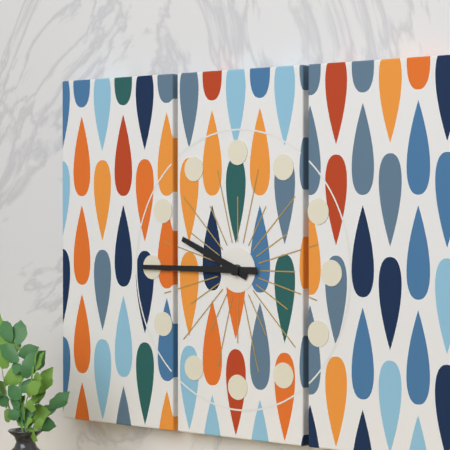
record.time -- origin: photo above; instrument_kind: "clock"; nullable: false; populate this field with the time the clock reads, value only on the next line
9:45
